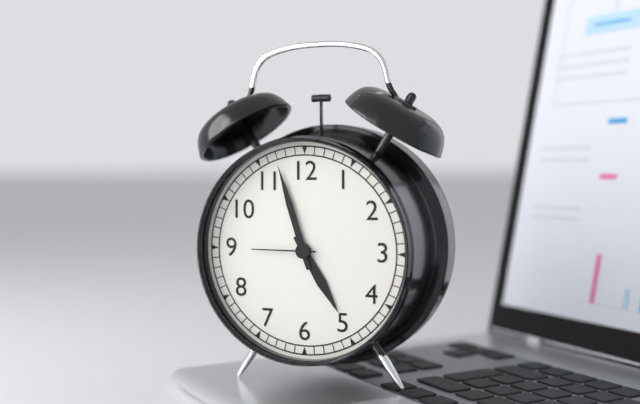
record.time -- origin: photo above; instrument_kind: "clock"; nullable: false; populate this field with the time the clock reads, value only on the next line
4:57:45
